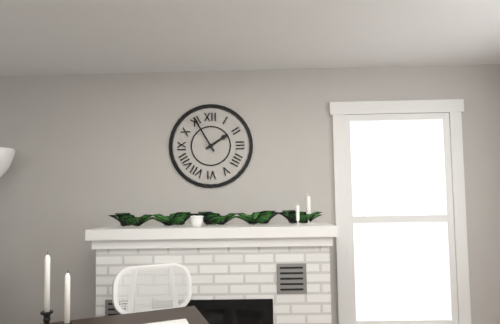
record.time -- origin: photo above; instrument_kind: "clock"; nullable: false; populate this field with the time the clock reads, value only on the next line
1:55
